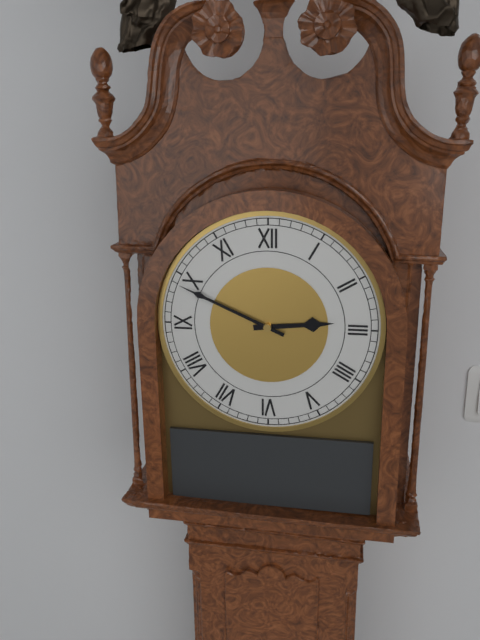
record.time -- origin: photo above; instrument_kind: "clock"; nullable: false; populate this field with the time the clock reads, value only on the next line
2:49
